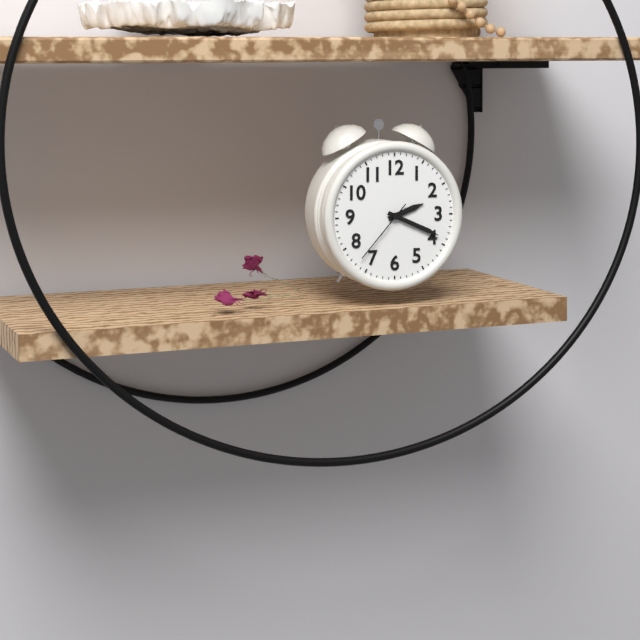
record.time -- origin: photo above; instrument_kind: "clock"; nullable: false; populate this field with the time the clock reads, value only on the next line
2:19:37
